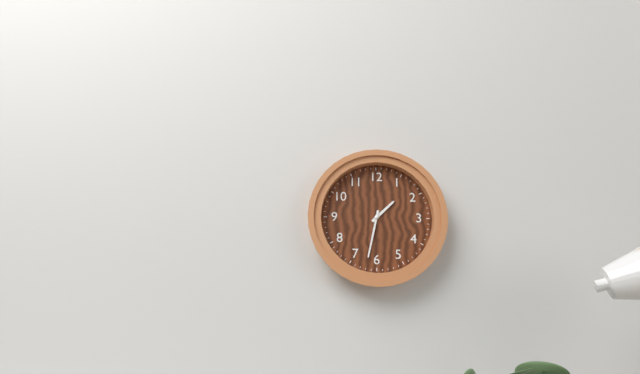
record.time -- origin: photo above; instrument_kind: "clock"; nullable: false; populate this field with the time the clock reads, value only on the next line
1:32
